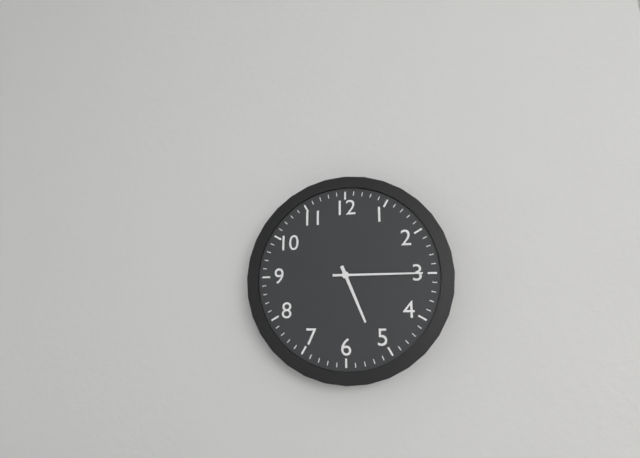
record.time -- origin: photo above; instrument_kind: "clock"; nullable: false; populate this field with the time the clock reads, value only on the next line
5:15
